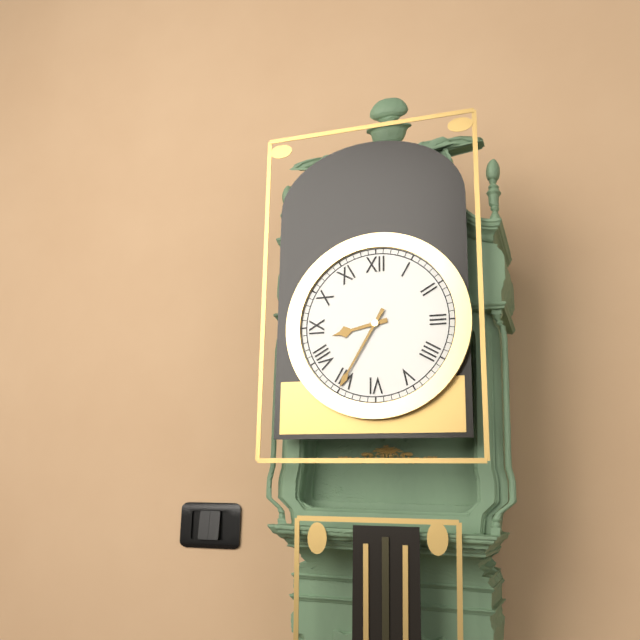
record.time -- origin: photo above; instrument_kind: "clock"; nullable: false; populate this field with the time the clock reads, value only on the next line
8:35
